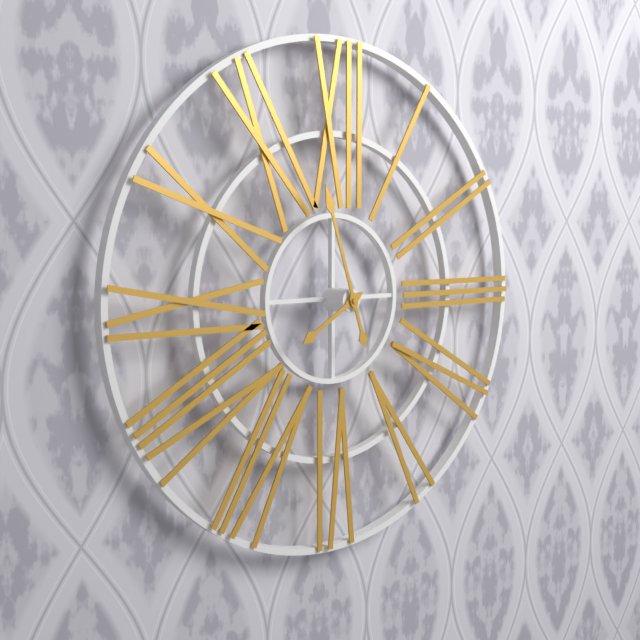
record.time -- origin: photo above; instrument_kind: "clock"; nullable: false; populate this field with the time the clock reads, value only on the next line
7:57
